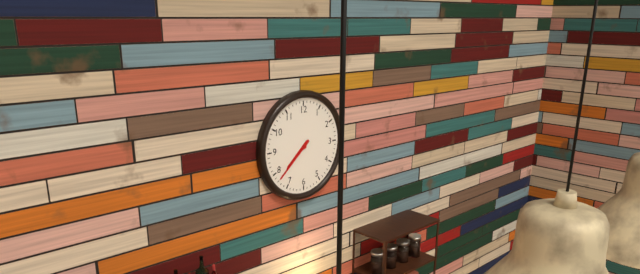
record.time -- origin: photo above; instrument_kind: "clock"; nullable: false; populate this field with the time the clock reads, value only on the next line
7:38
